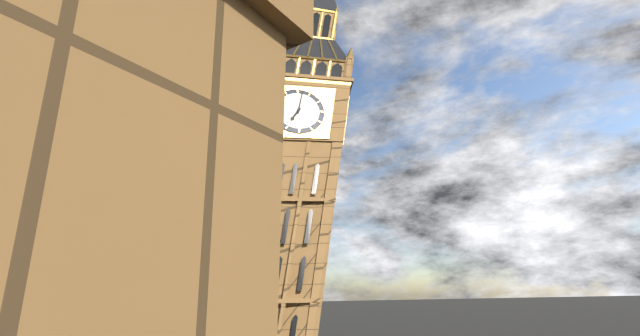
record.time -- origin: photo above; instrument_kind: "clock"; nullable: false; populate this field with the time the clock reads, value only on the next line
7:02
